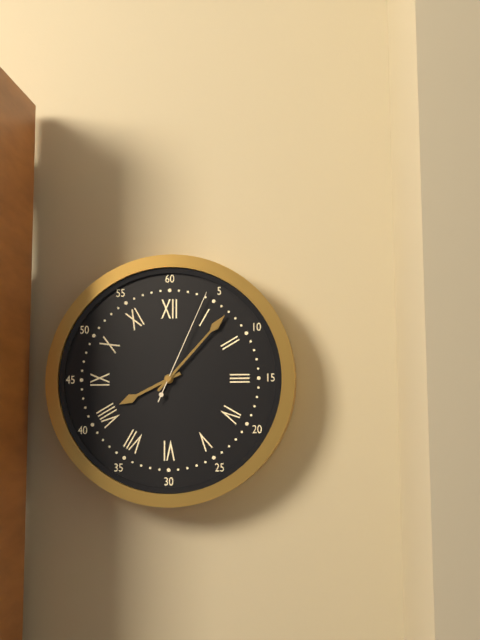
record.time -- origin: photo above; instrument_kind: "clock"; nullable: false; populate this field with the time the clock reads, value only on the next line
8:07:04
